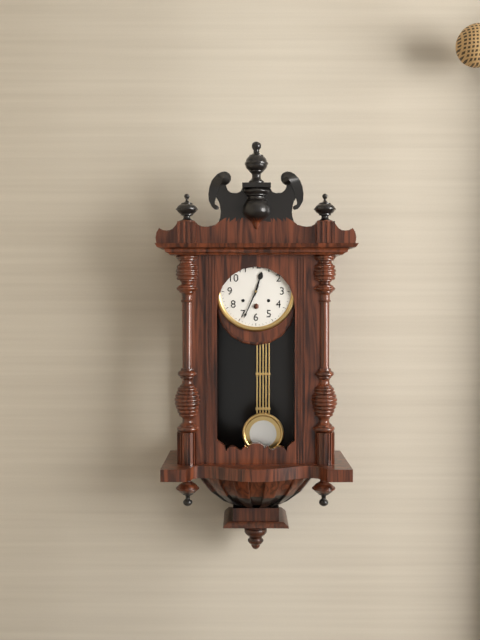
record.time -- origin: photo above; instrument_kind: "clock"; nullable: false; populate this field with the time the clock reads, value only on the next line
12:34
